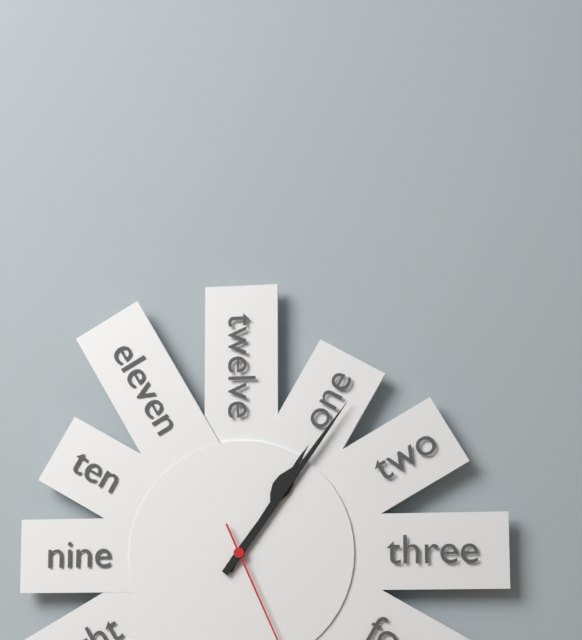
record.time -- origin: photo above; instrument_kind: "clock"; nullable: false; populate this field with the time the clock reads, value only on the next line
1:06
